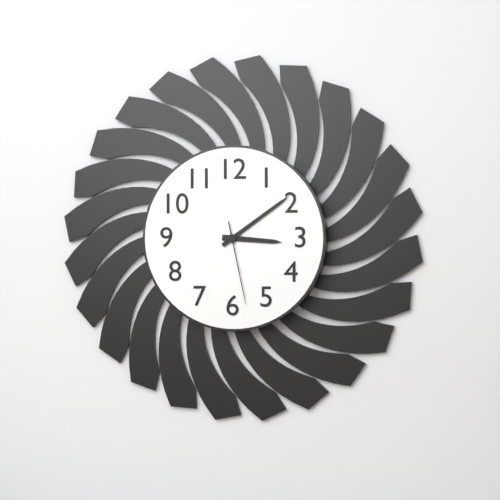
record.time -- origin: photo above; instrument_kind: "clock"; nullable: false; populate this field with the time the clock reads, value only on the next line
3:09:28
